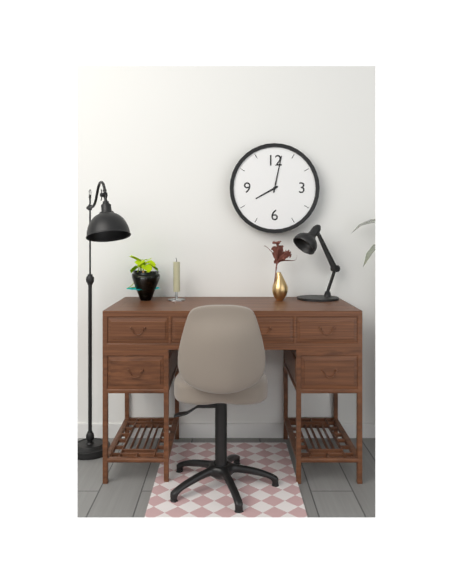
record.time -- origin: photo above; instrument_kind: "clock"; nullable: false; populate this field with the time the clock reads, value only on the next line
8:02
